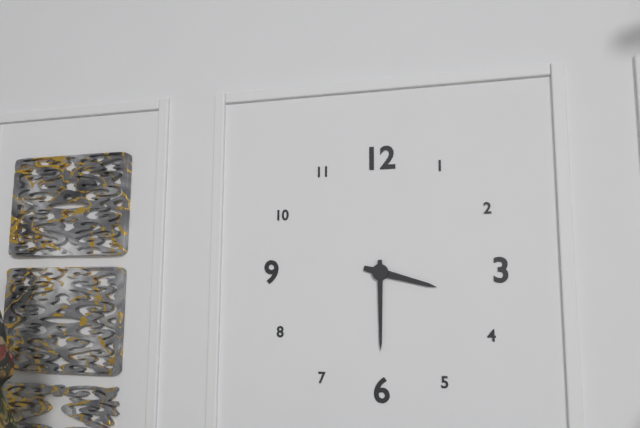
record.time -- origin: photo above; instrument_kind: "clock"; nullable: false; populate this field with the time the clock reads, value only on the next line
3:30
